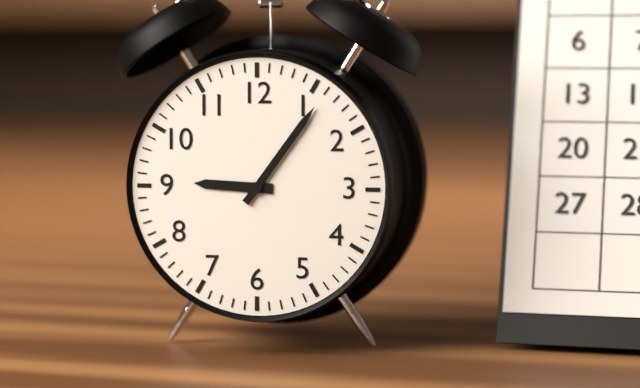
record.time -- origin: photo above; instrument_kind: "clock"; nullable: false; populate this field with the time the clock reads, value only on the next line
9:06
